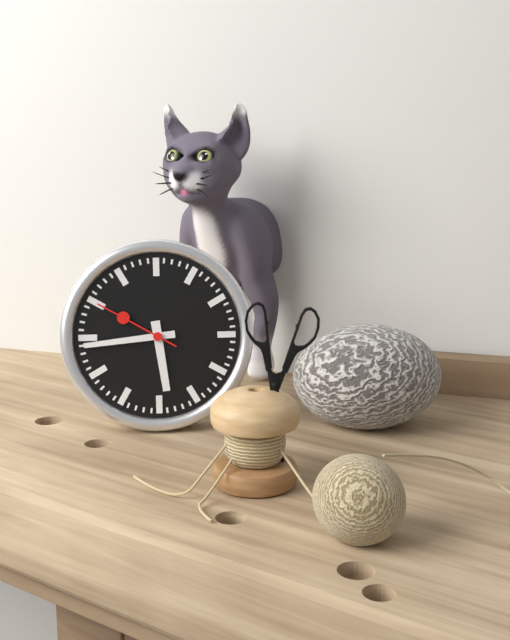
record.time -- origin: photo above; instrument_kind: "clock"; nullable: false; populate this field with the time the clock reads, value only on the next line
5:44:50
